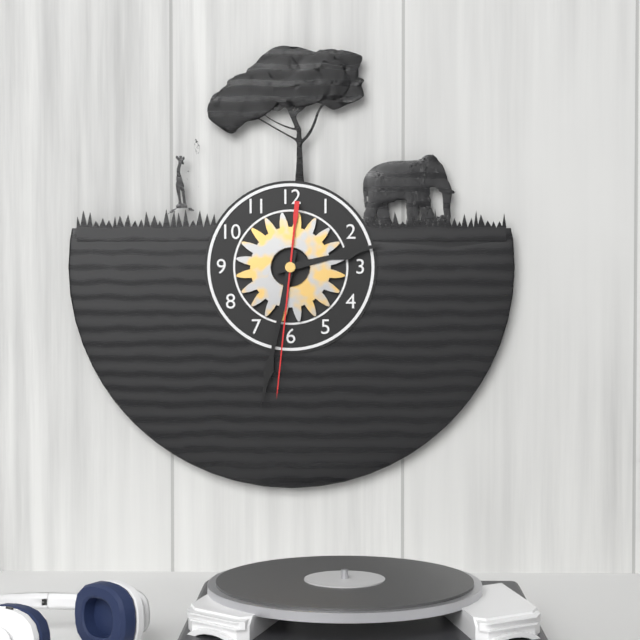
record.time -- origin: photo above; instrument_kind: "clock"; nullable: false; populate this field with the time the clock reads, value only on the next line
2:32:31
